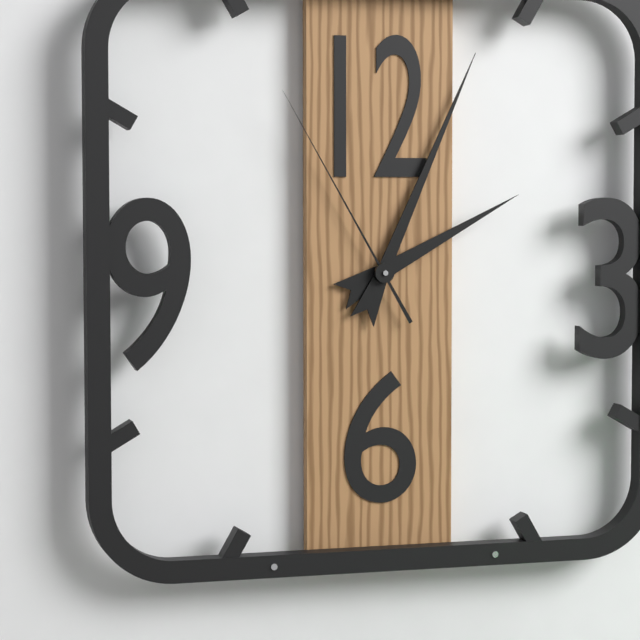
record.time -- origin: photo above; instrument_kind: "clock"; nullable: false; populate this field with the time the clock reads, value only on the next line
2:04:55
